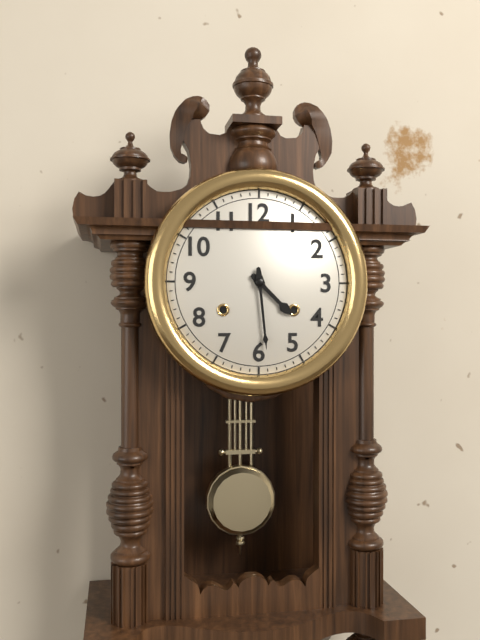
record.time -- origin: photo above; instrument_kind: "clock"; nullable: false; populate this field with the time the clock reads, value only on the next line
4:29
